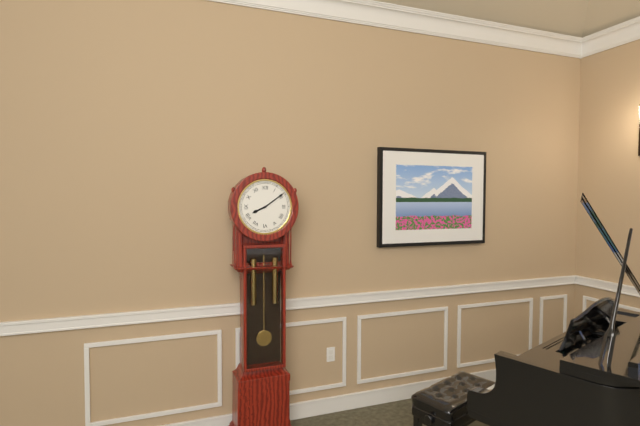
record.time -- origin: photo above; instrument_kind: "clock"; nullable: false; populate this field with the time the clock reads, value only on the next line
8:09
